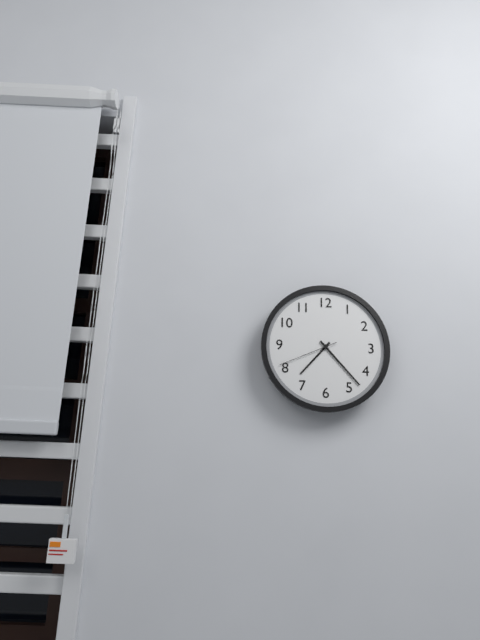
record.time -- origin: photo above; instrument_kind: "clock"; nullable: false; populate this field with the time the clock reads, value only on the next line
7:23:41
